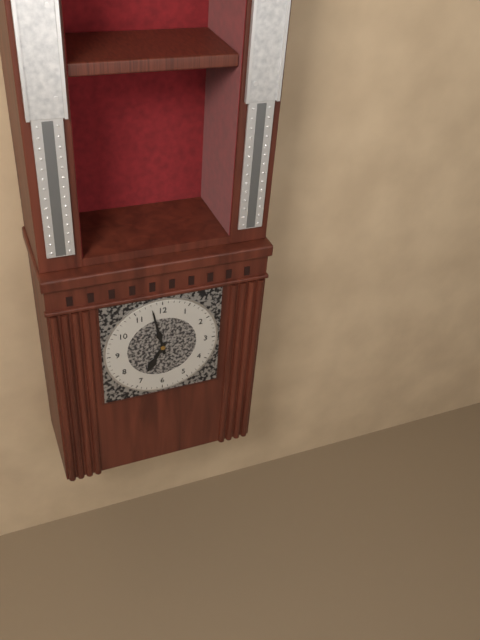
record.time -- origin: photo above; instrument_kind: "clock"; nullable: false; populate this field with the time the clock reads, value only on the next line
6:58
